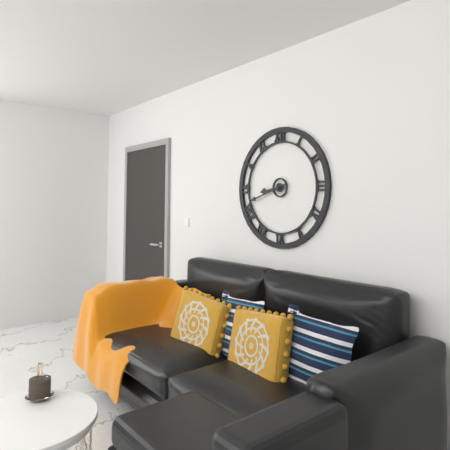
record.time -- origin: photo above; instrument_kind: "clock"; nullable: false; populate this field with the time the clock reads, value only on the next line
8:42
